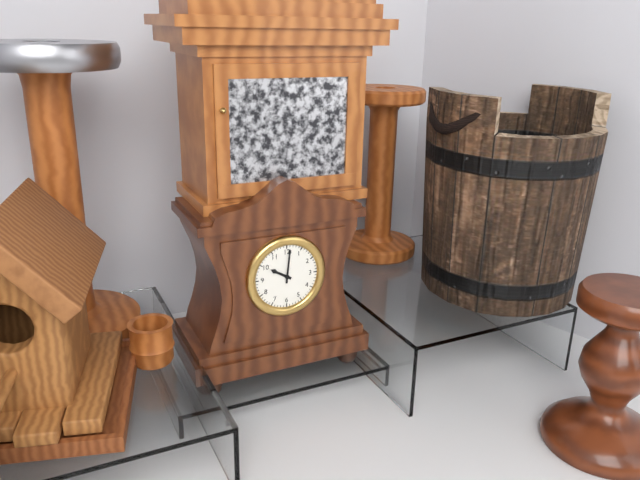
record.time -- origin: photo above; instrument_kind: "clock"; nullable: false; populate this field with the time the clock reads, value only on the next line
10:01
